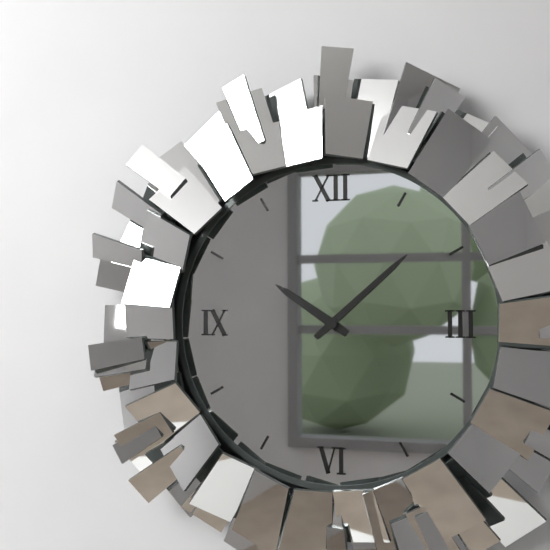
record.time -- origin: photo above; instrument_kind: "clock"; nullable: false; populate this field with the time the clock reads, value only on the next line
10:08
